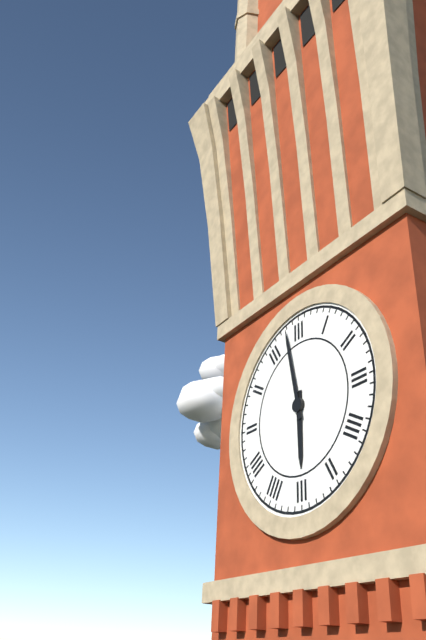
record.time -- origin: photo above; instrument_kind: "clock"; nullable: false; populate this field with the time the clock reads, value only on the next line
5:58
